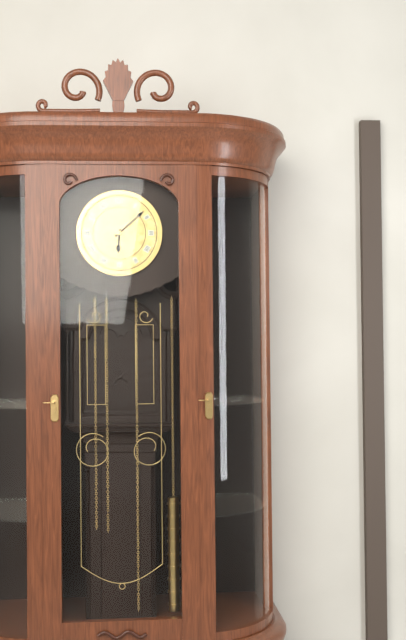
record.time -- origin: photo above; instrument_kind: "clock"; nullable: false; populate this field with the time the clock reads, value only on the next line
6:08
